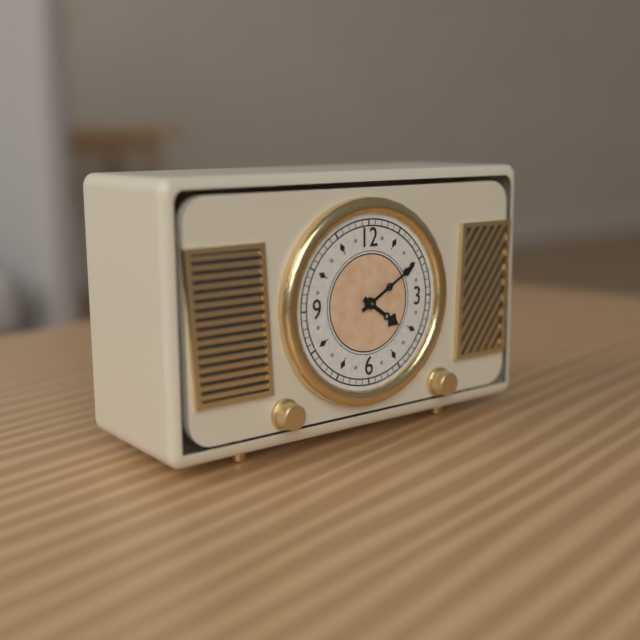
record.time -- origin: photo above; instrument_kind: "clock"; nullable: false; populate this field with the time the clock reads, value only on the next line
4:10
